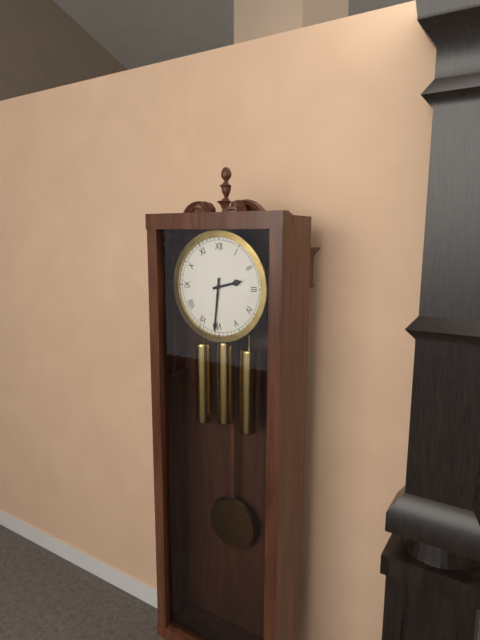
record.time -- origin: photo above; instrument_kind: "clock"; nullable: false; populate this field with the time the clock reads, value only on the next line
2:31
